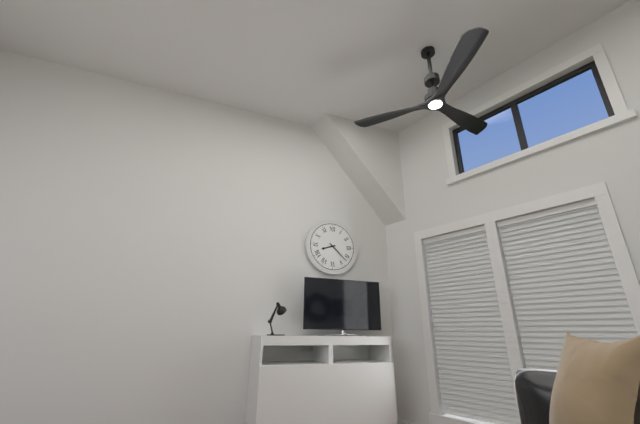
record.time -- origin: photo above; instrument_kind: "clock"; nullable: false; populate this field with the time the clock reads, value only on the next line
8:22
